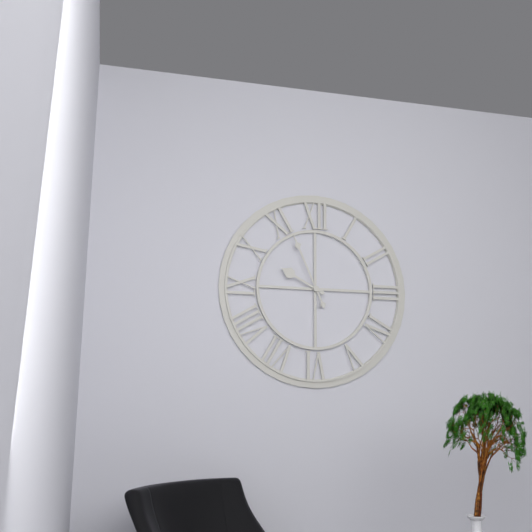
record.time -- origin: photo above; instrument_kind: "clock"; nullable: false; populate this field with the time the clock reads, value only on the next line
9:56
